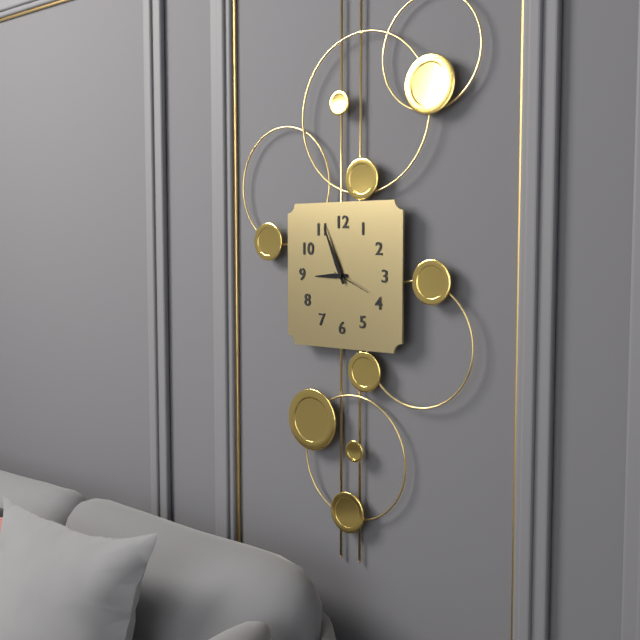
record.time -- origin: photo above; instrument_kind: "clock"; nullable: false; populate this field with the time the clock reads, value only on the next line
8:56
